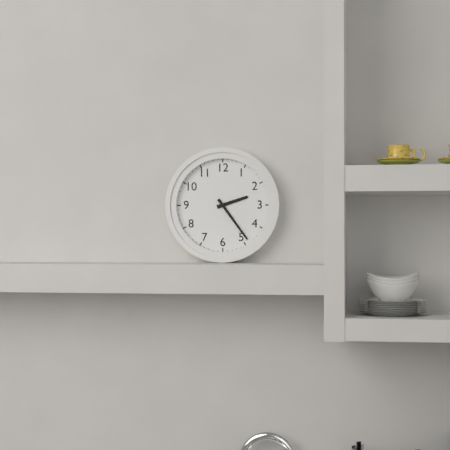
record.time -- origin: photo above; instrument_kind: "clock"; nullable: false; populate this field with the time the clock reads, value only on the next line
2:24
